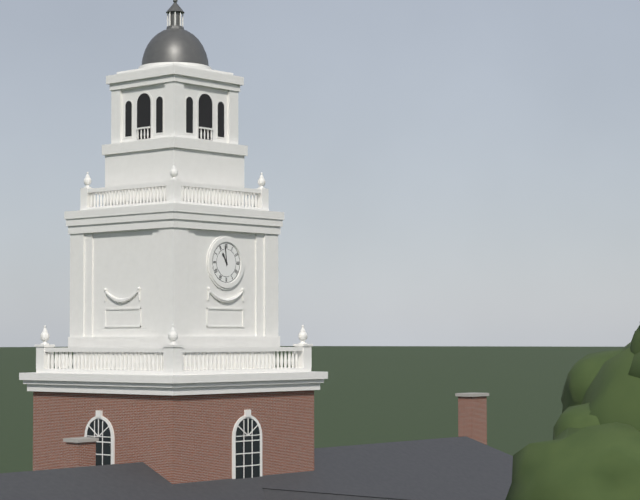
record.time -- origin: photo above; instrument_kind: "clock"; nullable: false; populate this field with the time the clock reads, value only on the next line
10:59
